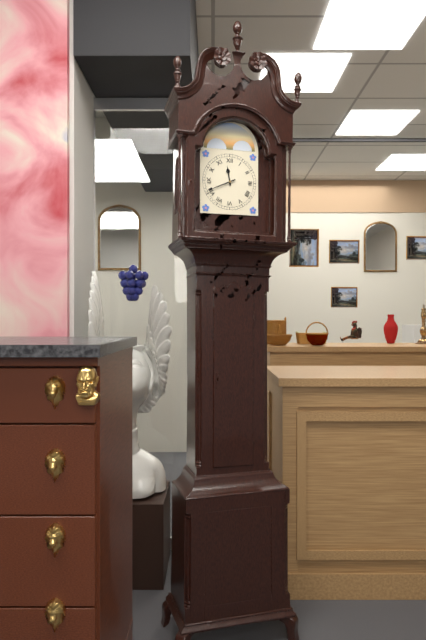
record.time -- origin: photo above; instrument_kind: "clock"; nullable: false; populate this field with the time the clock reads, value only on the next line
11:41
